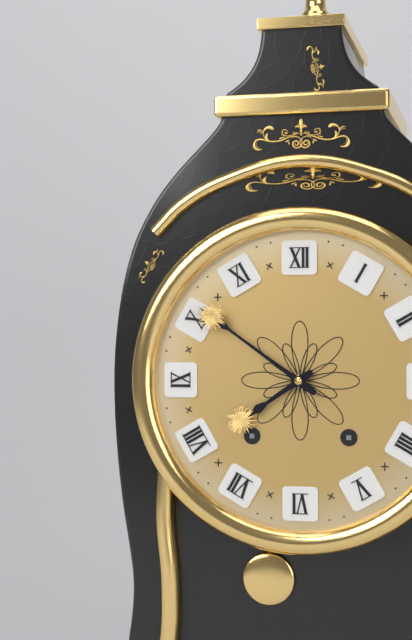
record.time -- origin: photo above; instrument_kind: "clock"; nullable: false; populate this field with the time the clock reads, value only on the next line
7:51
